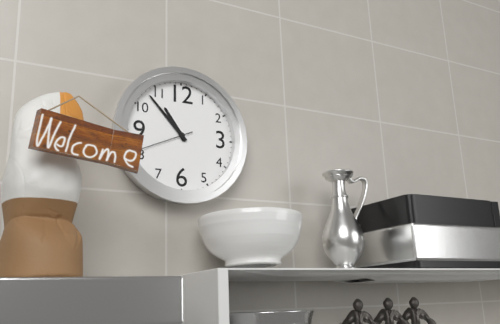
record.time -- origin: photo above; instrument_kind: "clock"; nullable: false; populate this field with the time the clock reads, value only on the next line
10:53:41
